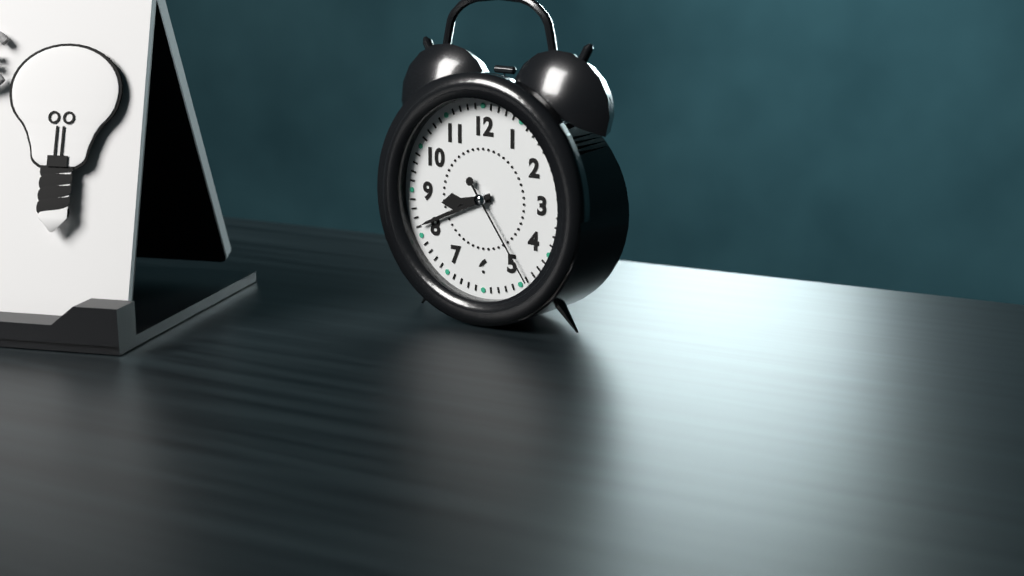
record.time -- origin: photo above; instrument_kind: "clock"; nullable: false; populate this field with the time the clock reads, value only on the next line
8:41:24
